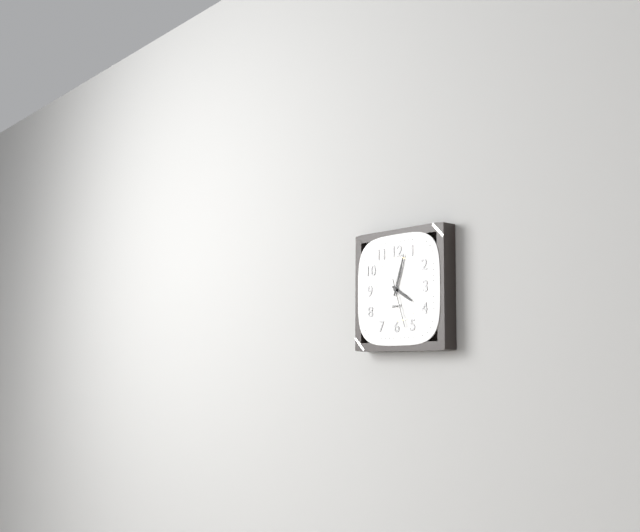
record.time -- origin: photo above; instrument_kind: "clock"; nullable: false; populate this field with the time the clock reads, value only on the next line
4:03
